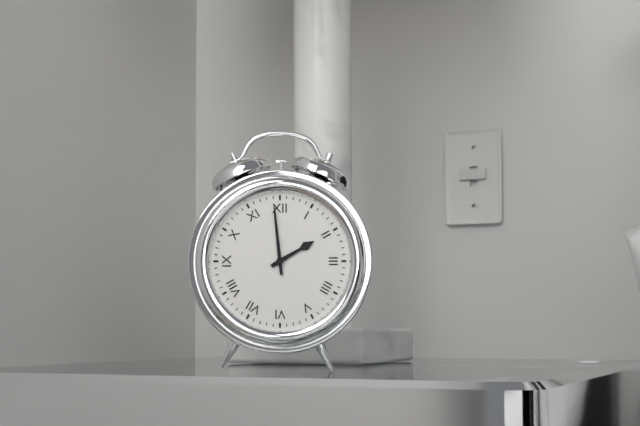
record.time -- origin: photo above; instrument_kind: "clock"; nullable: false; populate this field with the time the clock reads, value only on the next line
1:59
